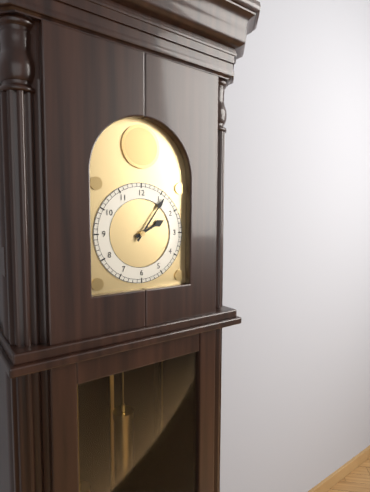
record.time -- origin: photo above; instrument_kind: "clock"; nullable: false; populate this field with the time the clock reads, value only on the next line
2:06
